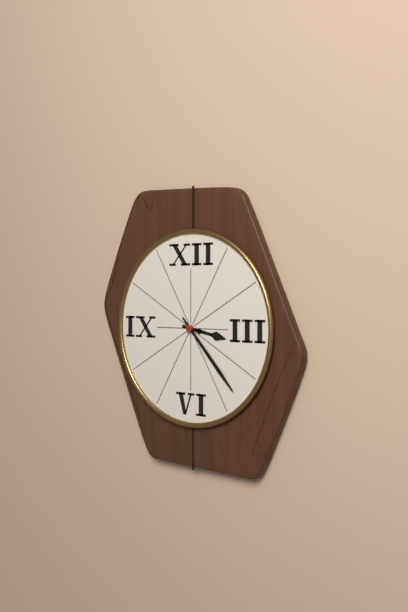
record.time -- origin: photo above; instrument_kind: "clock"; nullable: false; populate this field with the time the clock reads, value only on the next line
3:23
